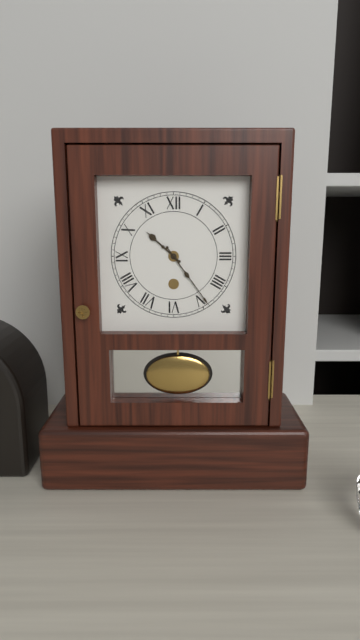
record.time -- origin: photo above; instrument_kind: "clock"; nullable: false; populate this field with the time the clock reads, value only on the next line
10:24
